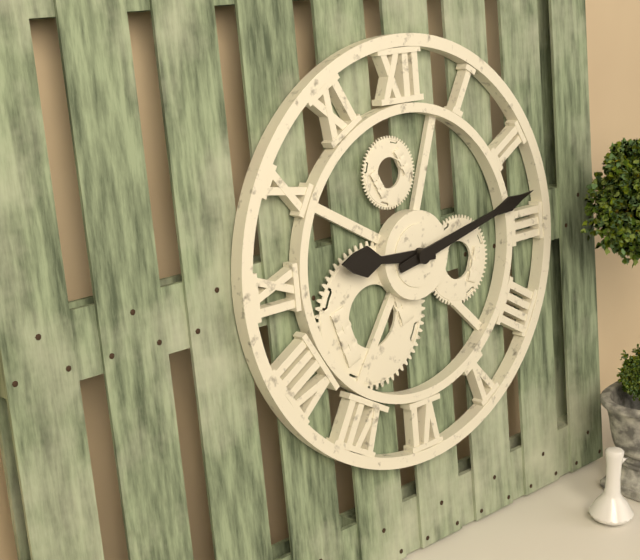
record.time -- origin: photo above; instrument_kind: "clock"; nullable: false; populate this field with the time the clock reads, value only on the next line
9:13
